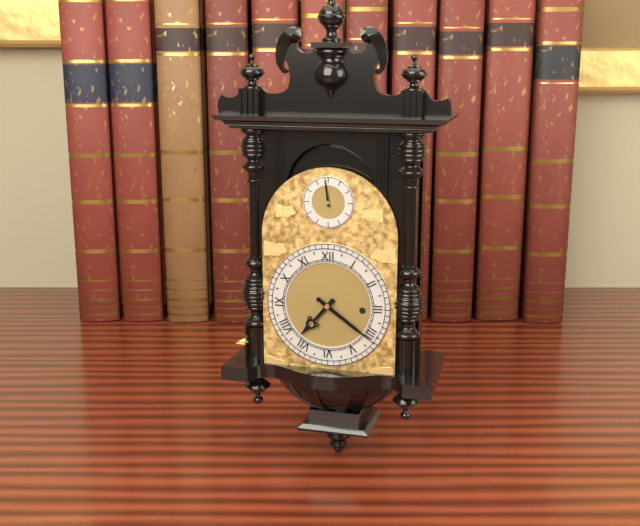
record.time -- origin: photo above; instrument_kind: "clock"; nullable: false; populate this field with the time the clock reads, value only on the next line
7:21
